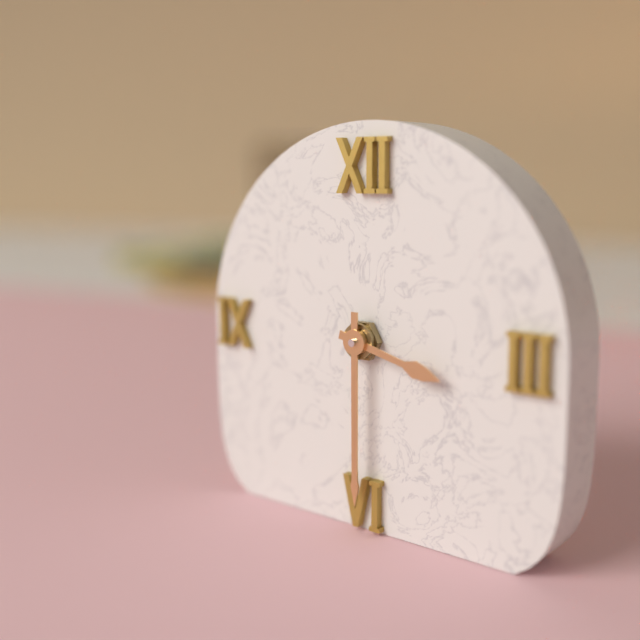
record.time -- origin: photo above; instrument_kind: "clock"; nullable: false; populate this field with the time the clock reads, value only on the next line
3:30
